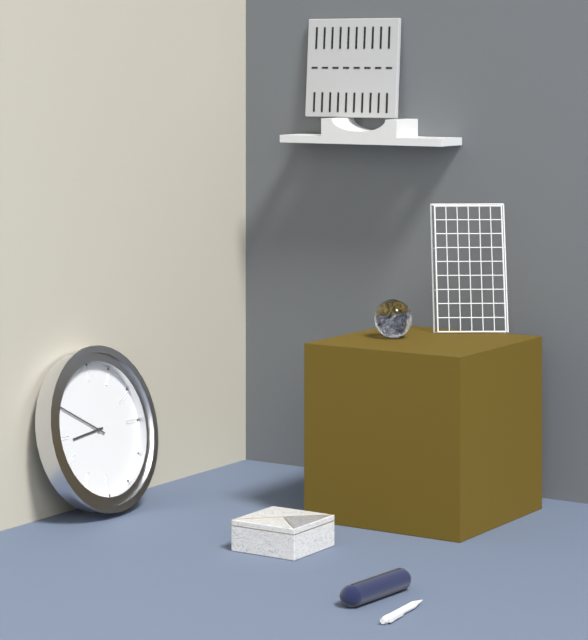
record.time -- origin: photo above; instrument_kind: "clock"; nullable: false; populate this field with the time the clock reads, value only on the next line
8:50
